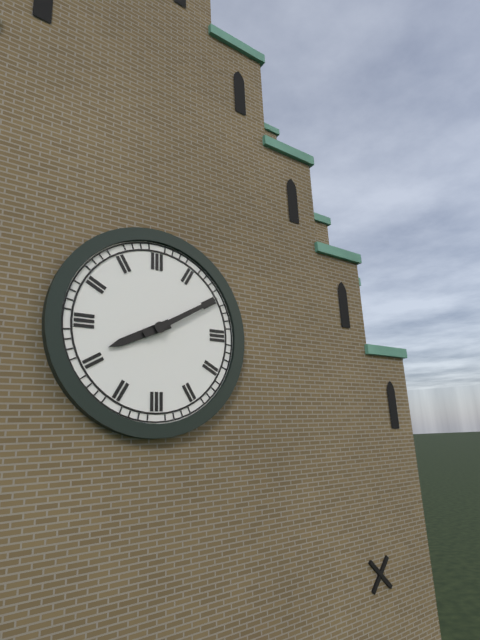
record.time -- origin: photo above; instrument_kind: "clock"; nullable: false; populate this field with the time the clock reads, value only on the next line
8:10
